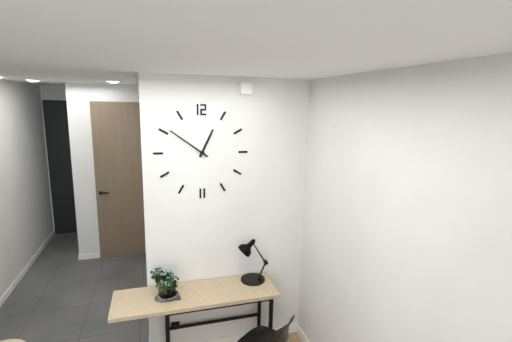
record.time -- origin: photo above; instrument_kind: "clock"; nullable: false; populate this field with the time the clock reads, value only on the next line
12:51
